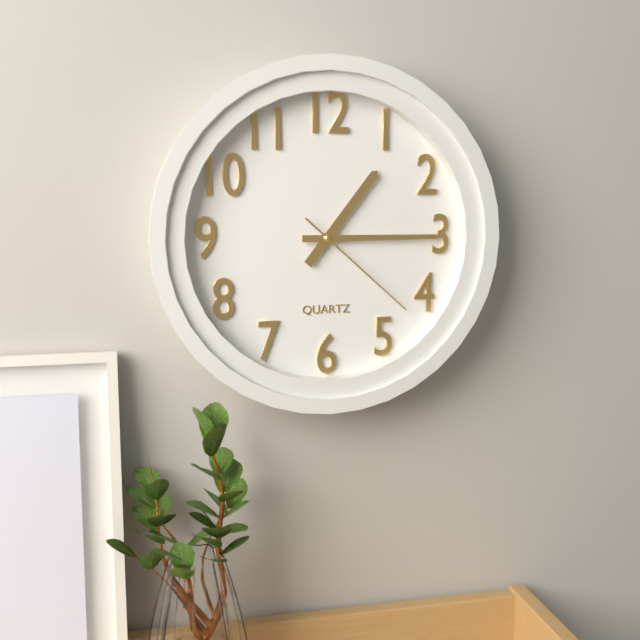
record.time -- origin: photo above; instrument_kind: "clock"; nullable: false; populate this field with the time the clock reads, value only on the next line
1:15:22
